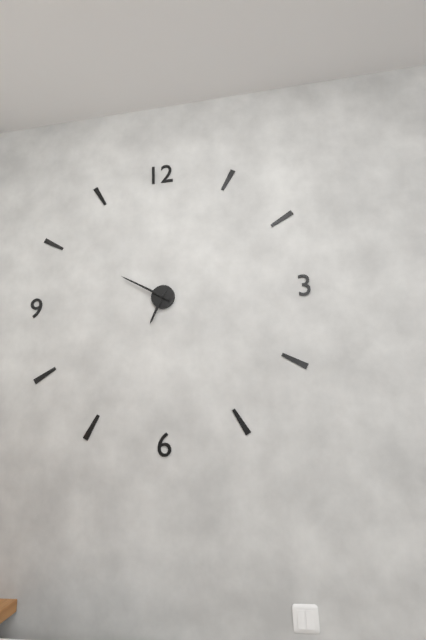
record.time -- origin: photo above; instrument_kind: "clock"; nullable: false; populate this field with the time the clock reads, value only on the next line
6:50
